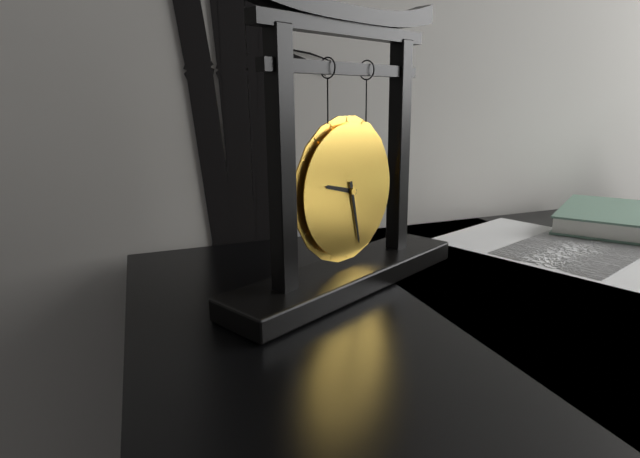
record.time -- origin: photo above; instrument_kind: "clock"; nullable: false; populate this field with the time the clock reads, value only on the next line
9:28
